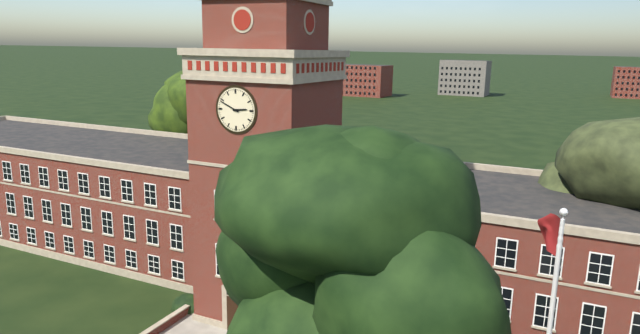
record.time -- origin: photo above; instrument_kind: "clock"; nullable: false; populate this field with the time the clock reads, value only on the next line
2:49
